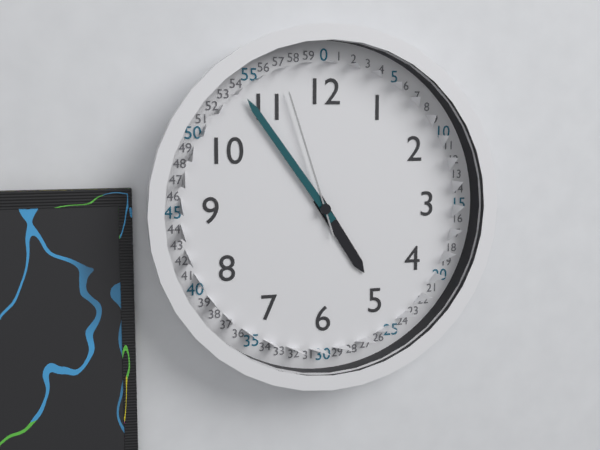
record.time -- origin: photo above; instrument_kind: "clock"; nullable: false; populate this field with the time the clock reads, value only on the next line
4:54:57
